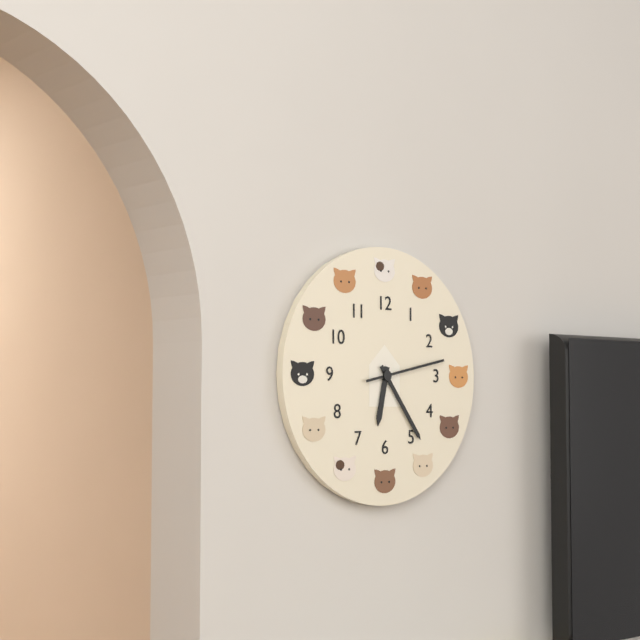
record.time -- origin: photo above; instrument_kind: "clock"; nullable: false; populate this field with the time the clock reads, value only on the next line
6:24:13
